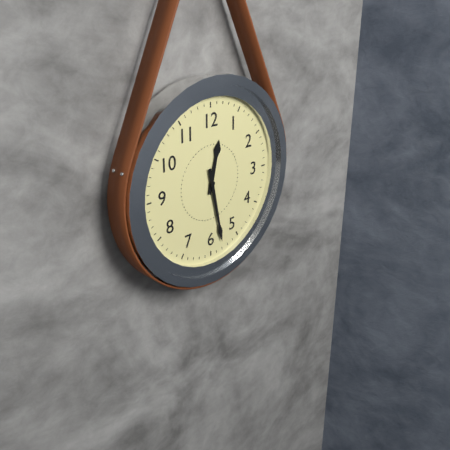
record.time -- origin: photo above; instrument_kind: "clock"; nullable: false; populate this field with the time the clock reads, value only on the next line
12:28
